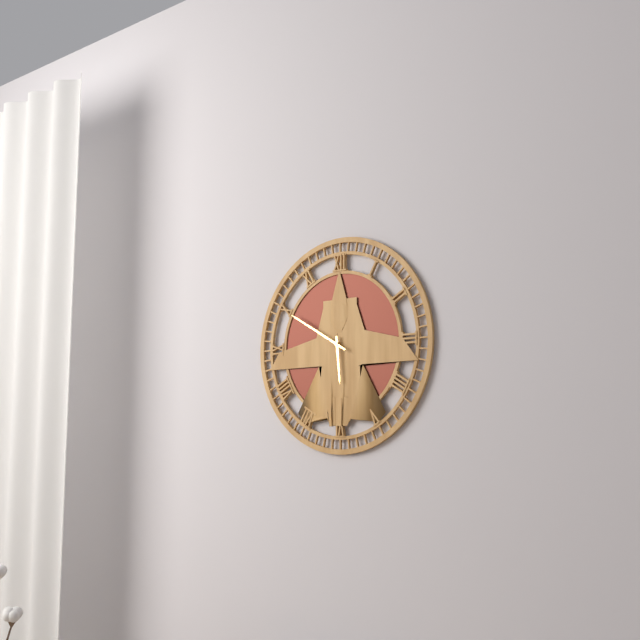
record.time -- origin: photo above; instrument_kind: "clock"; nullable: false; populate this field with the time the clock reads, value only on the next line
5:50
